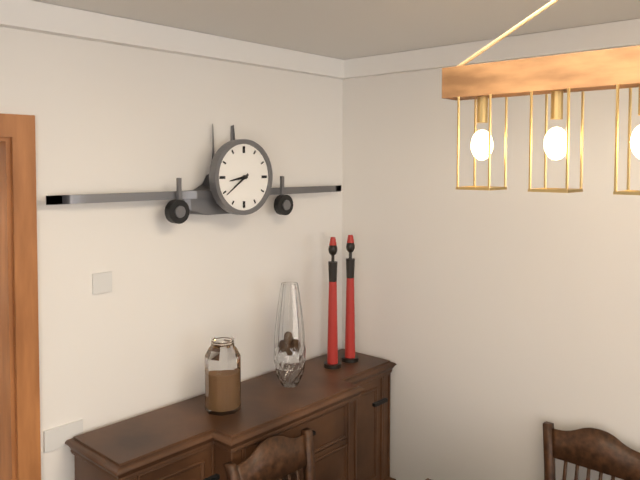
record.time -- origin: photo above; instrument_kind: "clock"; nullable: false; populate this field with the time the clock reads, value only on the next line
8:39
